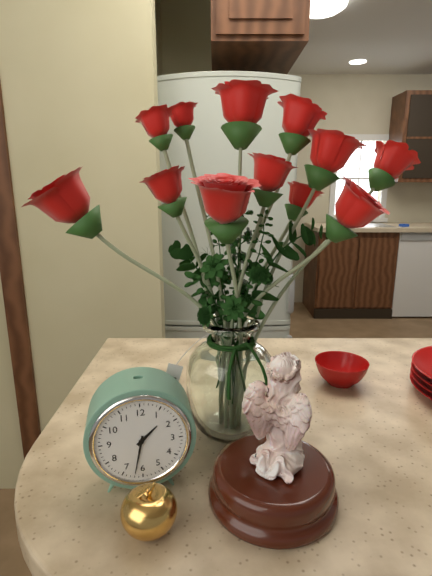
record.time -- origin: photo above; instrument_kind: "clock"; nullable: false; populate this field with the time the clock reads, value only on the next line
1:32
